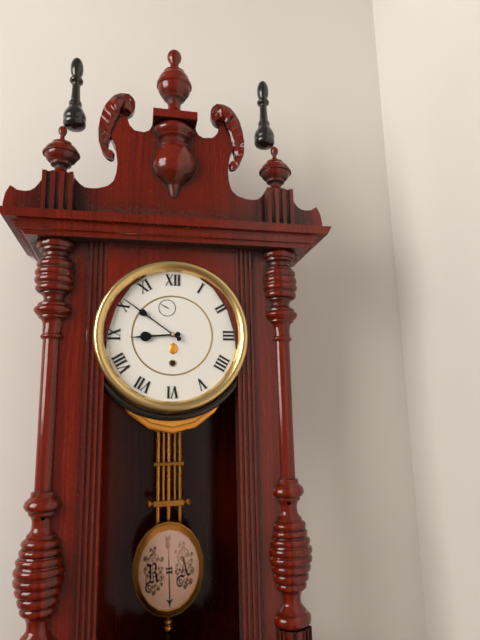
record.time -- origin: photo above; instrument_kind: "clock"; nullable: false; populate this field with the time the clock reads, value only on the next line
8:51
